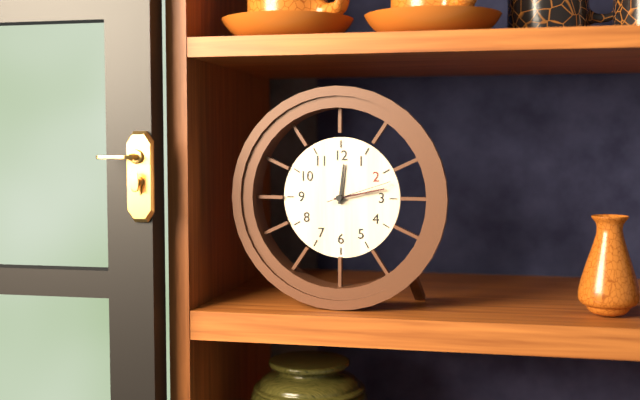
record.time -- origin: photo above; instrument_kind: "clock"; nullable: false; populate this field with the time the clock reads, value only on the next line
12:13:12
